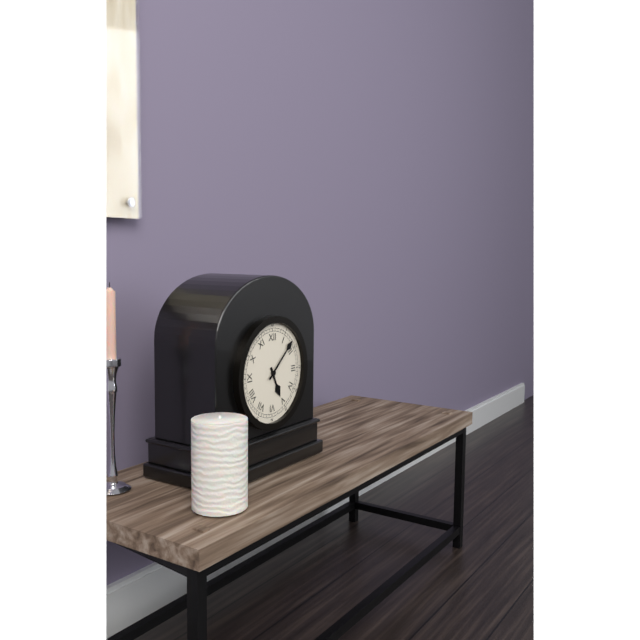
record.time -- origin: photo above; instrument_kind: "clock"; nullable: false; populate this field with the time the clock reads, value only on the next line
5:08
